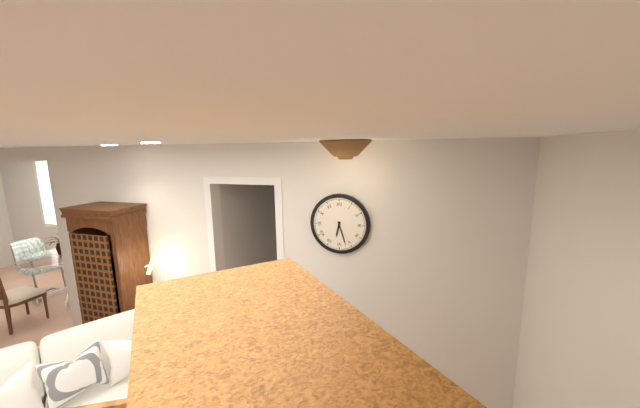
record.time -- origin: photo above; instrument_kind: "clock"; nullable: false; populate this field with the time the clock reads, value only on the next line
6:27
